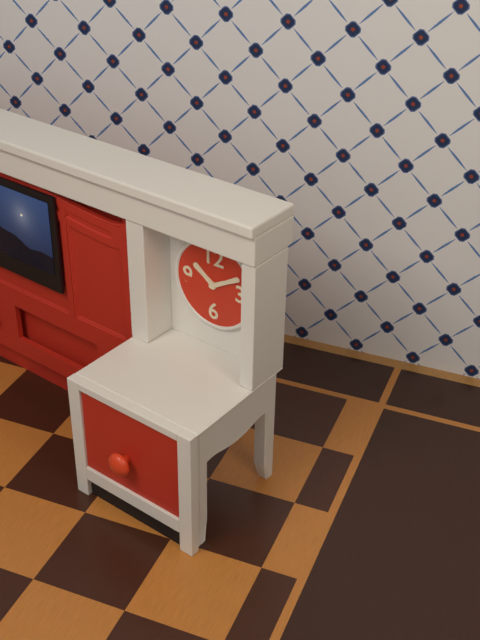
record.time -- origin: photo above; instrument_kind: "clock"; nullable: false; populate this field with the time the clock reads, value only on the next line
10:10
